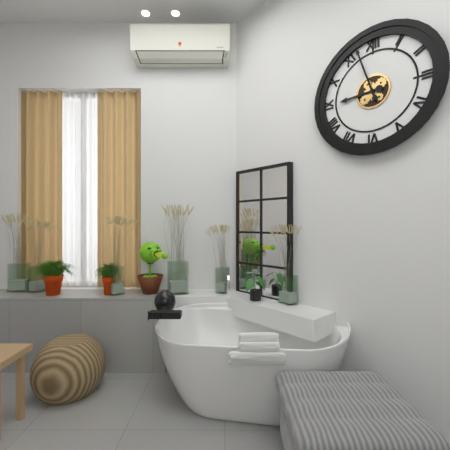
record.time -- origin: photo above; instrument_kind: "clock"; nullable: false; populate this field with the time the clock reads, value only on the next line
8:57
